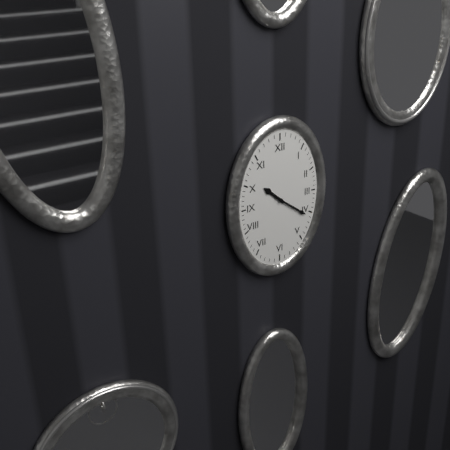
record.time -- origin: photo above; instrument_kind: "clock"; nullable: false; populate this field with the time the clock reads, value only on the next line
10:21
